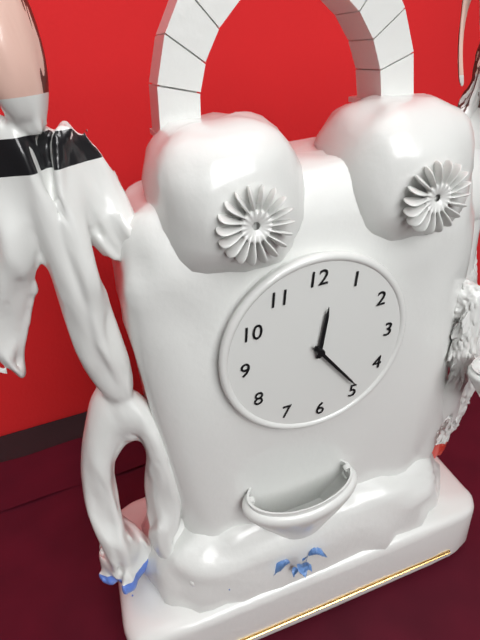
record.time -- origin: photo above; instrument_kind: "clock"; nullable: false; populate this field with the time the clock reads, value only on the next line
12:24
